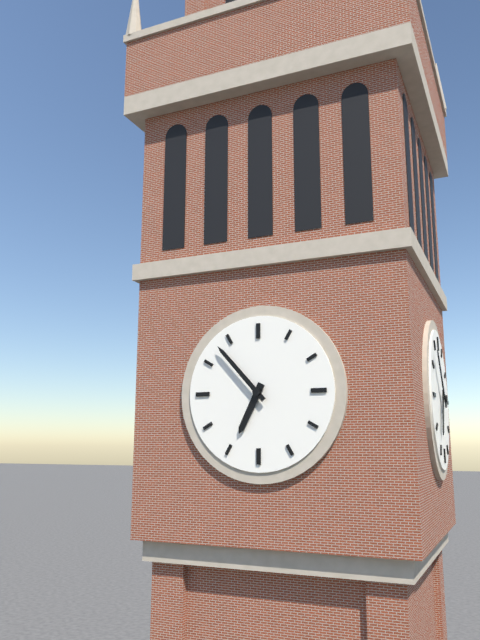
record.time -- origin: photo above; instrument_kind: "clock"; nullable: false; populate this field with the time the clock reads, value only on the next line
6:53
